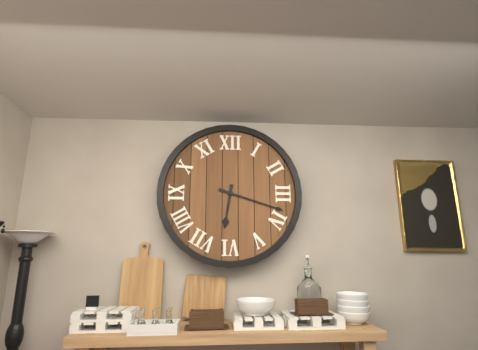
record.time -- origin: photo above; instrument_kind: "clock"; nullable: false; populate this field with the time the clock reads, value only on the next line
6:18
